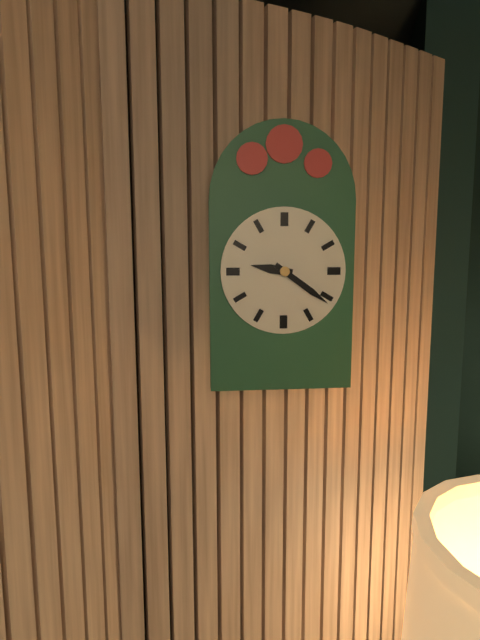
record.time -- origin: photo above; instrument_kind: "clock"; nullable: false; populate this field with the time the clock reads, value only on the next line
9:21
